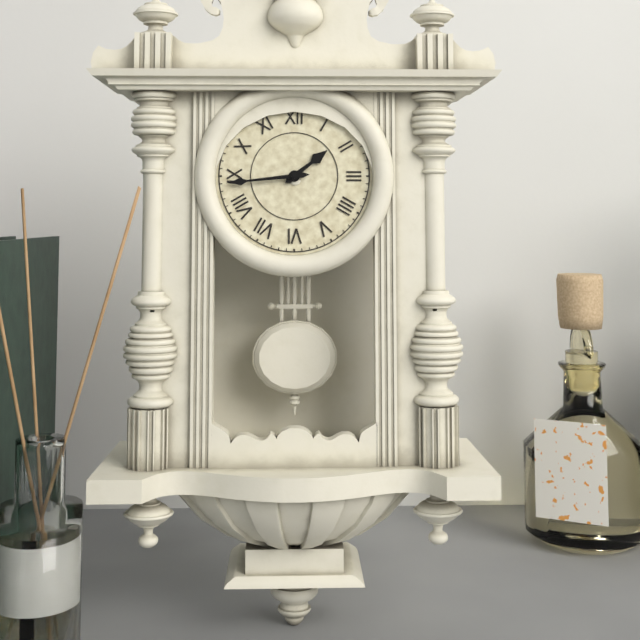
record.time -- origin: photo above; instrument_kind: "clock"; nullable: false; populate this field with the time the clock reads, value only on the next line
1:44
